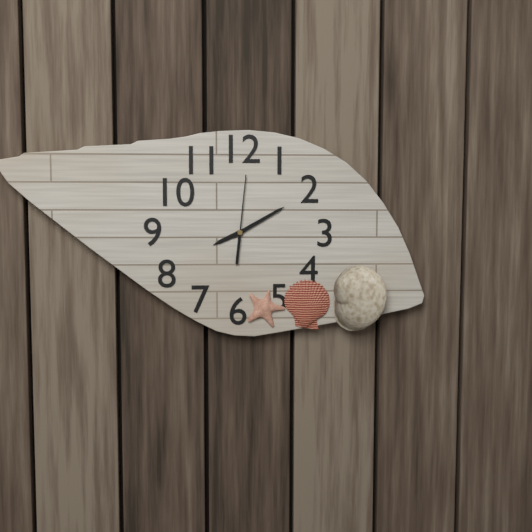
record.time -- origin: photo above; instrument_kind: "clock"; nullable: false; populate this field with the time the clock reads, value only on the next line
8:10:01
